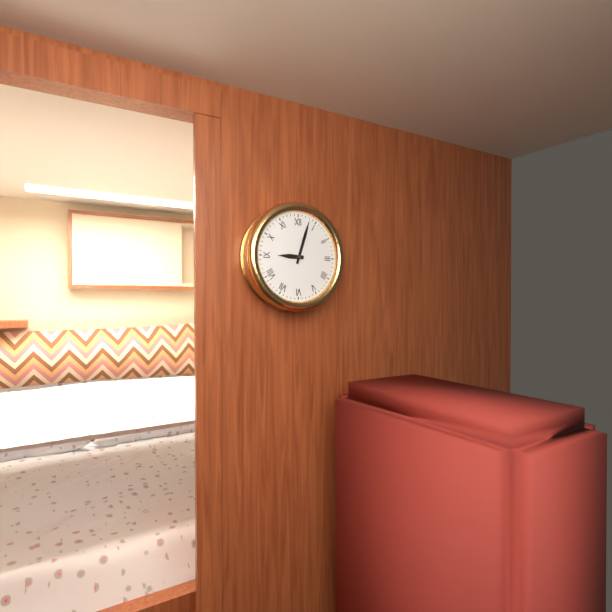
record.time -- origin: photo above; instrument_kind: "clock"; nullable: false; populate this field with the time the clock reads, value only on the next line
9:03
